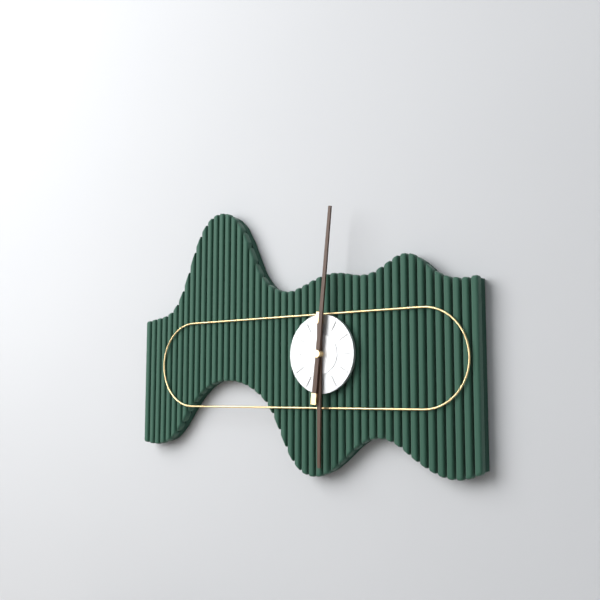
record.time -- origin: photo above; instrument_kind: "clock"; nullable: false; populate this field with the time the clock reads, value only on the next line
6:01
